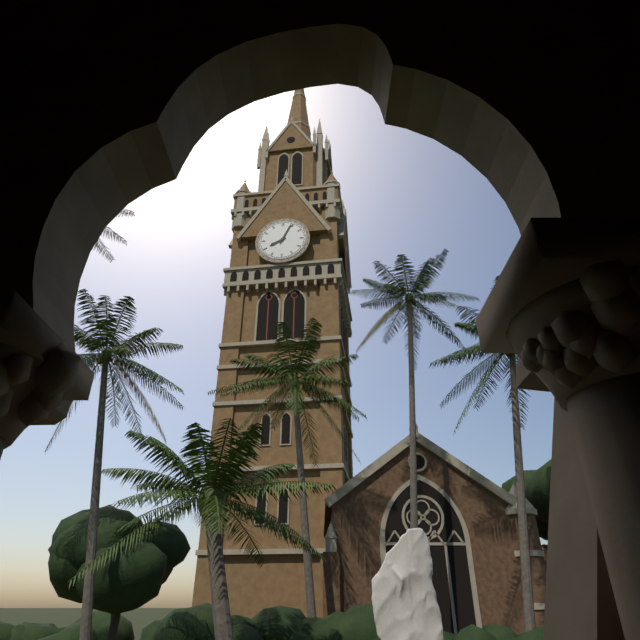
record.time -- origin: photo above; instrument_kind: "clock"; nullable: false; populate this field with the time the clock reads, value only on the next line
8:04
